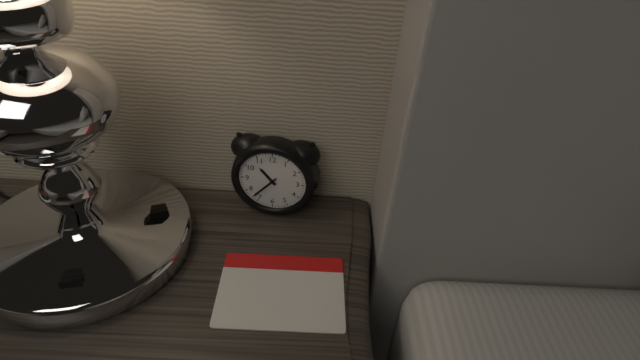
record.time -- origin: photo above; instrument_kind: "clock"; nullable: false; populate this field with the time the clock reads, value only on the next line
10:37
